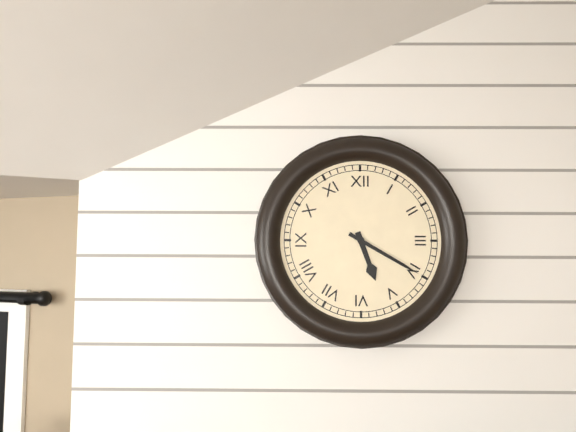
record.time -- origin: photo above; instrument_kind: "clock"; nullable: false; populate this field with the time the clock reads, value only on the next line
5:20
